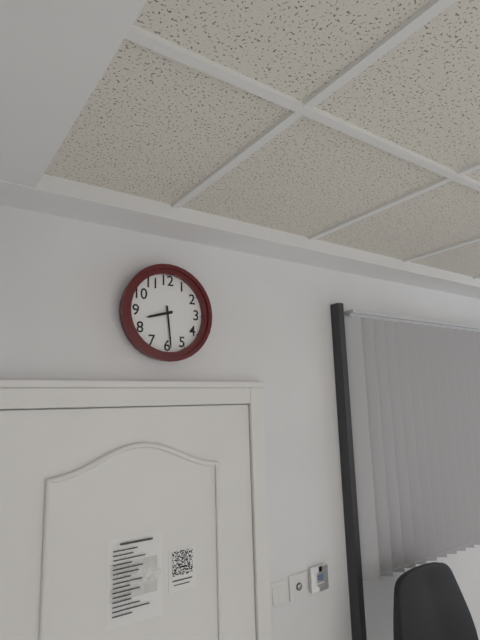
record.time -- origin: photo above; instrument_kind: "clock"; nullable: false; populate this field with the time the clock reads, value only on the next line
8:29
